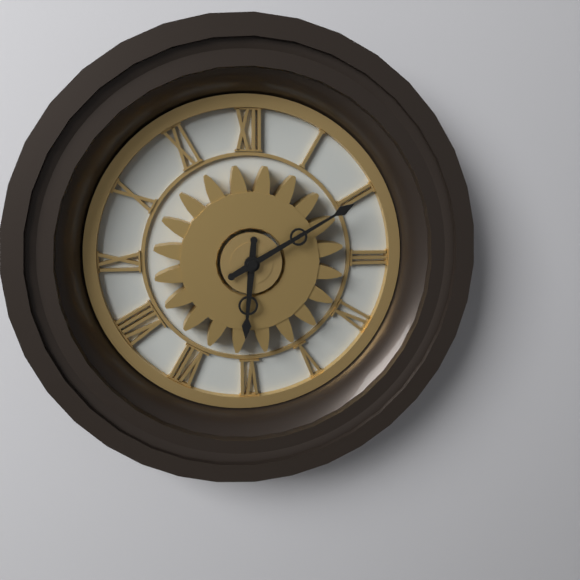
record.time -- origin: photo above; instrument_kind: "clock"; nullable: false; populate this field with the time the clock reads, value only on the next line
6:10
